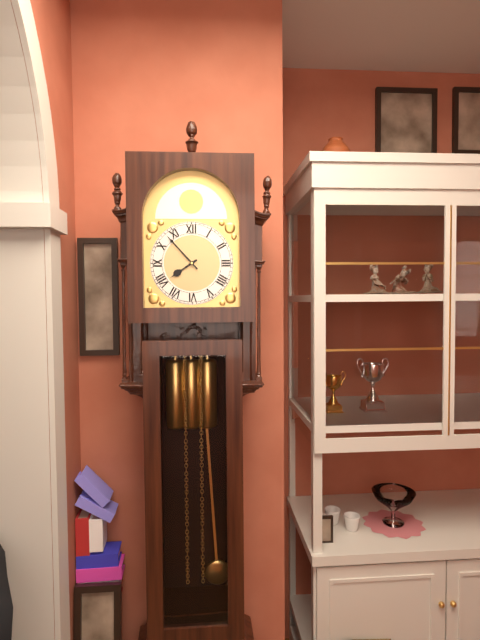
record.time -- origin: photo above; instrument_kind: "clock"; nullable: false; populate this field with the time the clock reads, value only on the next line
7:53
